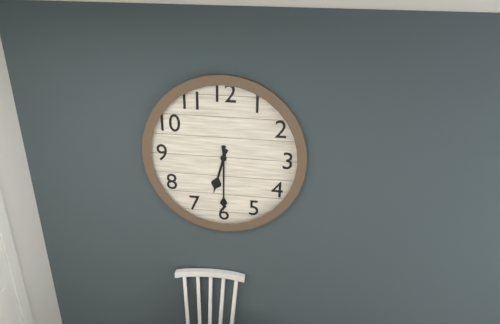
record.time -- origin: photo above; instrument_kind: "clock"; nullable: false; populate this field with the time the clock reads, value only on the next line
6:30
